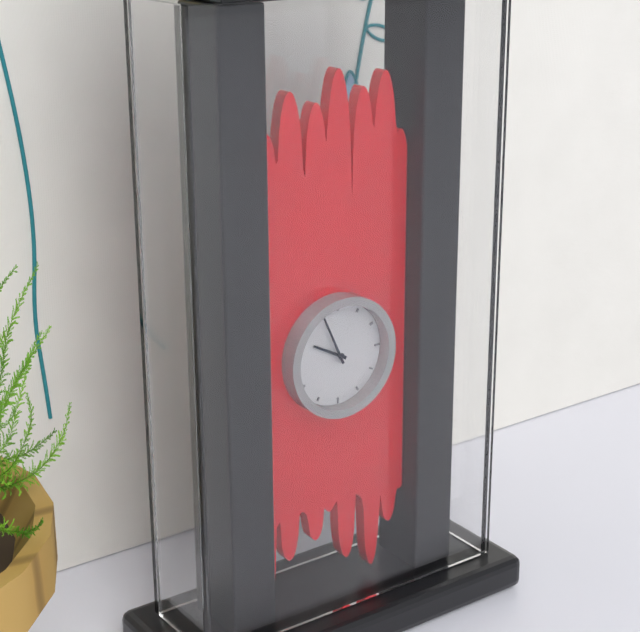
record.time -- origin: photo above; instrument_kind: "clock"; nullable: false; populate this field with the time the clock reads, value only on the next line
9:56
